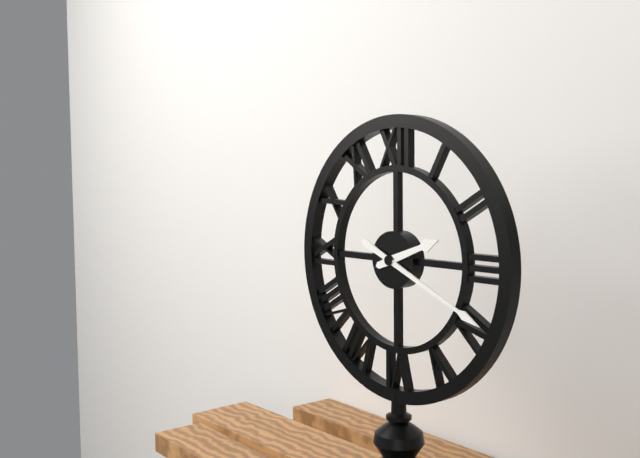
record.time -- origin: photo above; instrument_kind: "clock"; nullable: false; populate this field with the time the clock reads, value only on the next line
2:19
